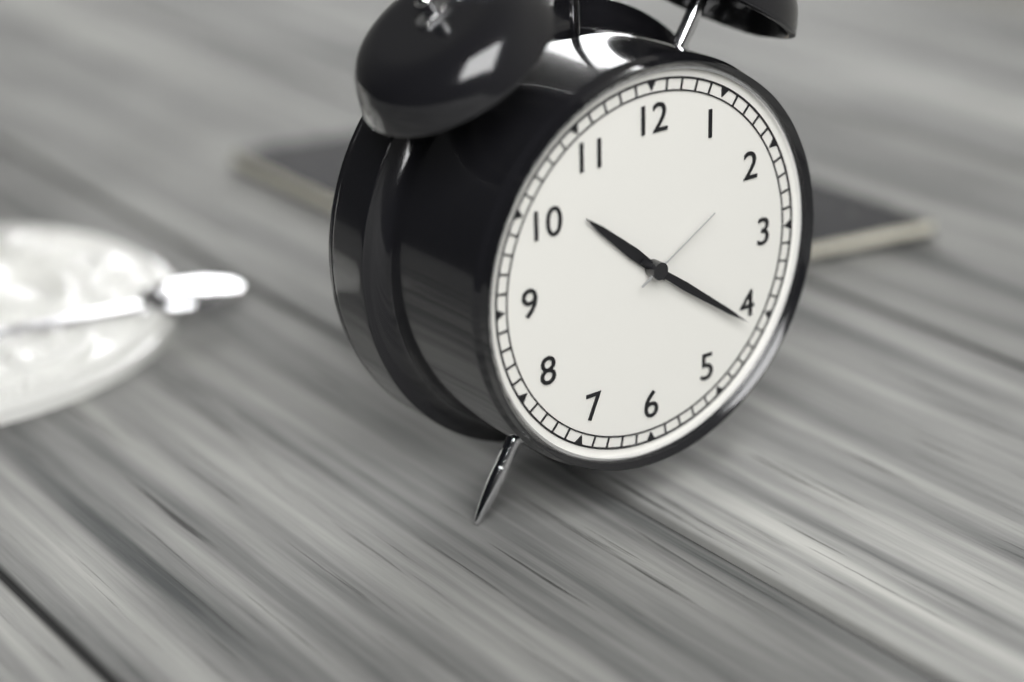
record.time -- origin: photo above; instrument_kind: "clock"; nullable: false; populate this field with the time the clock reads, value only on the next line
10:21:10
